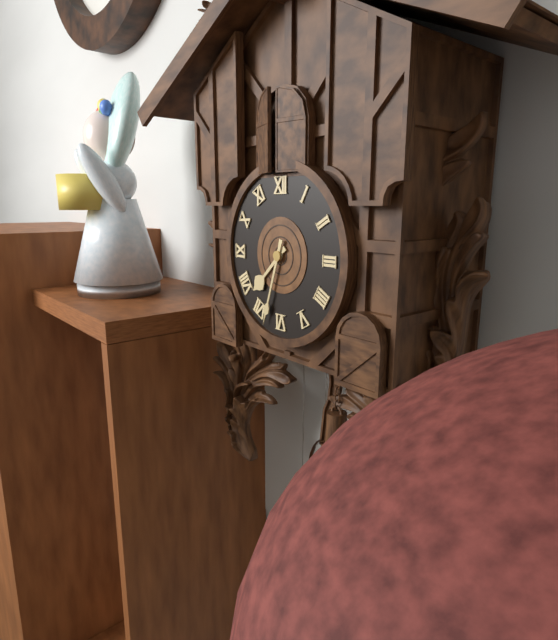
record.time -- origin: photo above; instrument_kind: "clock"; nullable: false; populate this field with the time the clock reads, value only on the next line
7:33
